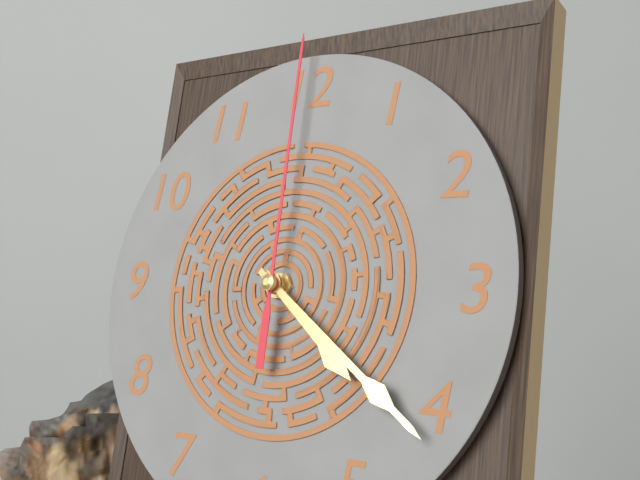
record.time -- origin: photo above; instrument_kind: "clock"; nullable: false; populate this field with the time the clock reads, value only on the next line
4:21:00
